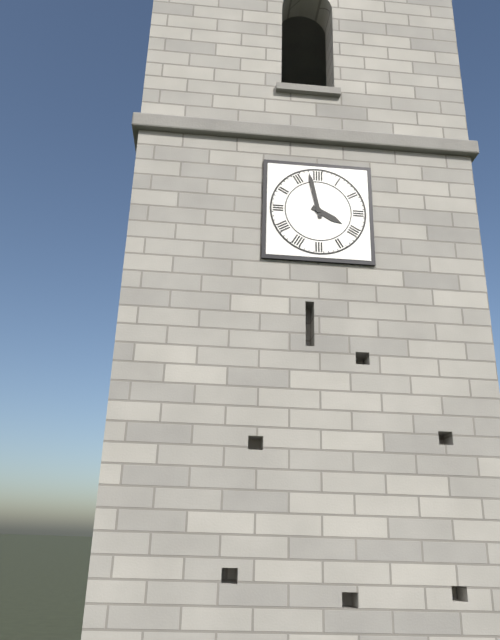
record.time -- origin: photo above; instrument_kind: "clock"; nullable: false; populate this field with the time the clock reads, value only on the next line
3:58
